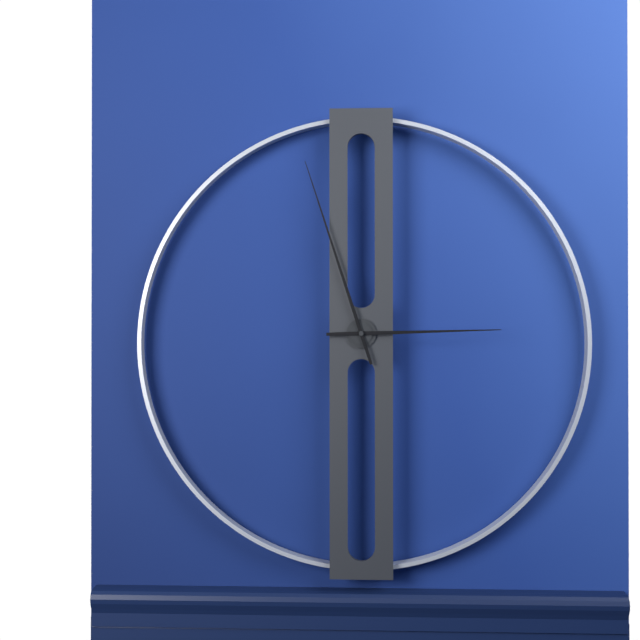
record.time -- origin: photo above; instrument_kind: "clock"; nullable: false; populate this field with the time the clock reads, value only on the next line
2:57
